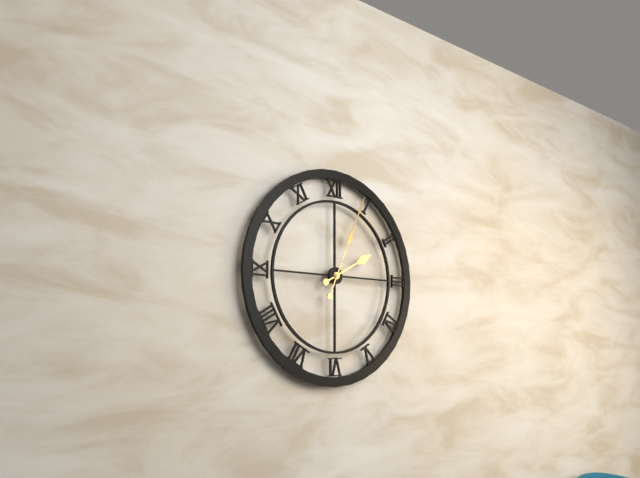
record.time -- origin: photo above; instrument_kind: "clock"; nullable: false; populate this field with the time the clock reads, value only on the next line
2:04
